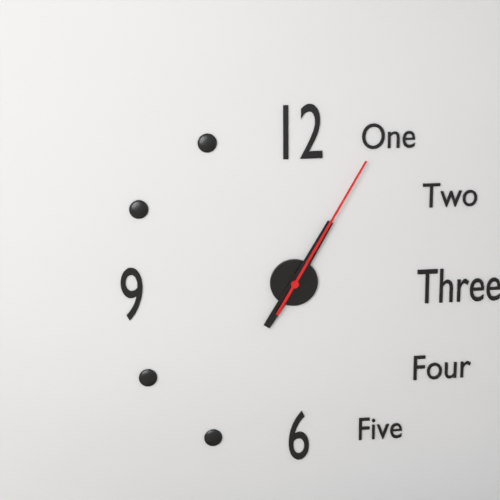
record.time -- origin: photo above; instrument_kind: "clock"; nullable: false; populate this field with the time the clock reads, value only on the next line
7:05:05
